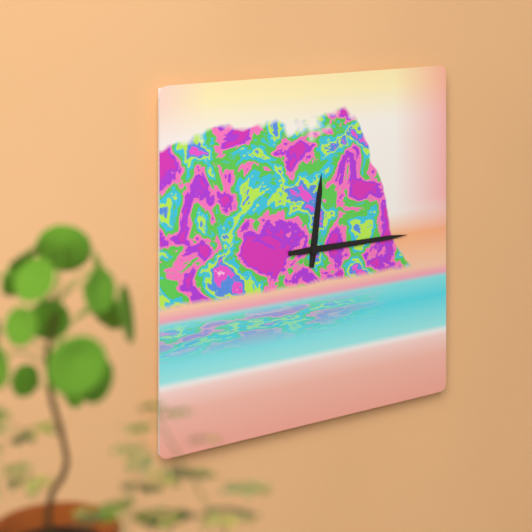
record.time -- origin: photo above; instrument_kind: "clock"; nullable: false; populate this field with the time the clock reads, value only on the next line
12:15
